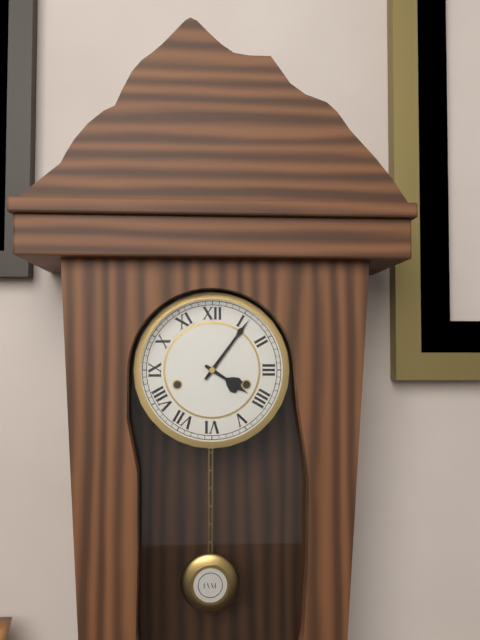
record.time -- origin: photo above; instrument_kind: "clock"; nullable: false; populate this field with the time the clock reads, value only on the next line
4:06
